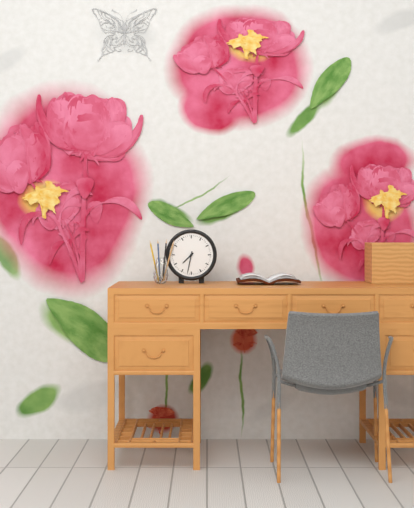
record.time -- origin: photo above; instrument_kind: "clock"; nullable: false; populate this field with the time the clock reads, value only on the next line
7:32
